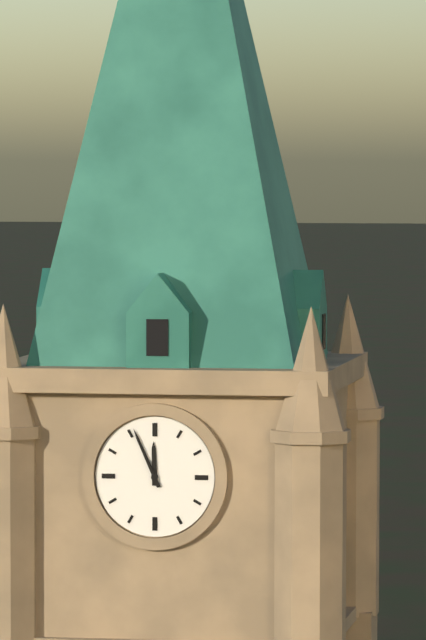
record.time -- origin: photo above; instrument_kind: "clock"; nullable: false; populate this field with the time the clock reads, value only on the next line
11:56
